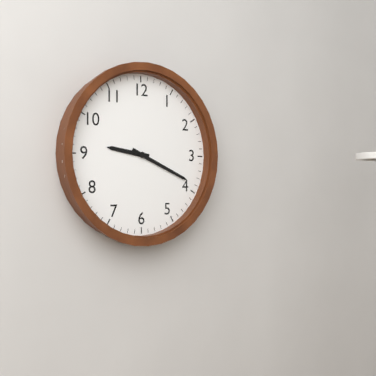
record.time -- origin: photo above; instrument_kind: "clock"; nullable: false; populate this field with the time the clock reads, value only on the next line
9:19
